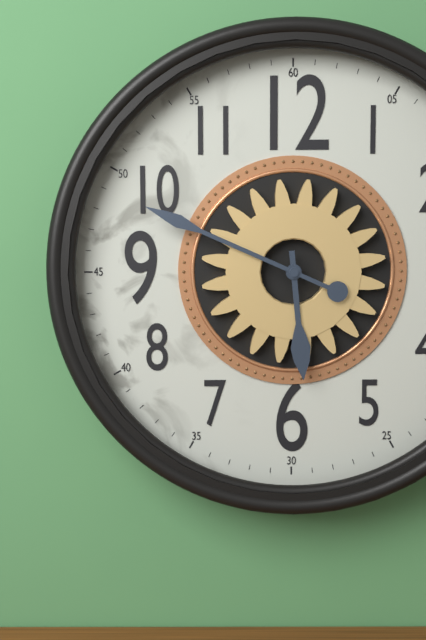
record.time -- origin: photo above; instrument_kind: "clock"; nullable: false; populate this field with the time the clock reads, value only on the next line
5:49
